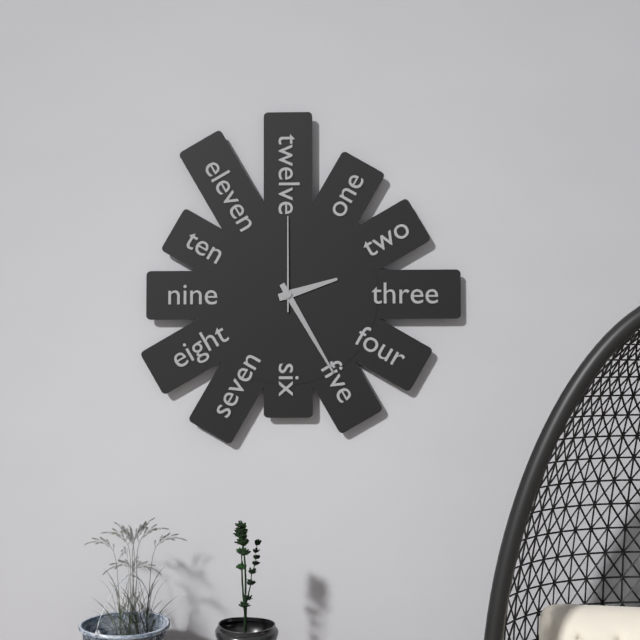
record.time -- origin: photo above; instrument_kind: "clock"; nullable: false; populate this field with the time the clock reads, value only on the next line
2:25:00
